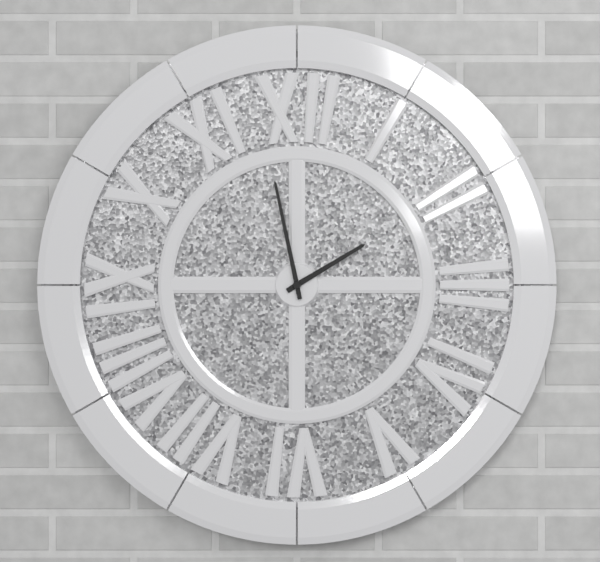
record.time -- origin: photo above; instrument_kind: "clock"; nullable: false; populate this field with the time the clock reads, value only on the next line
1:58
